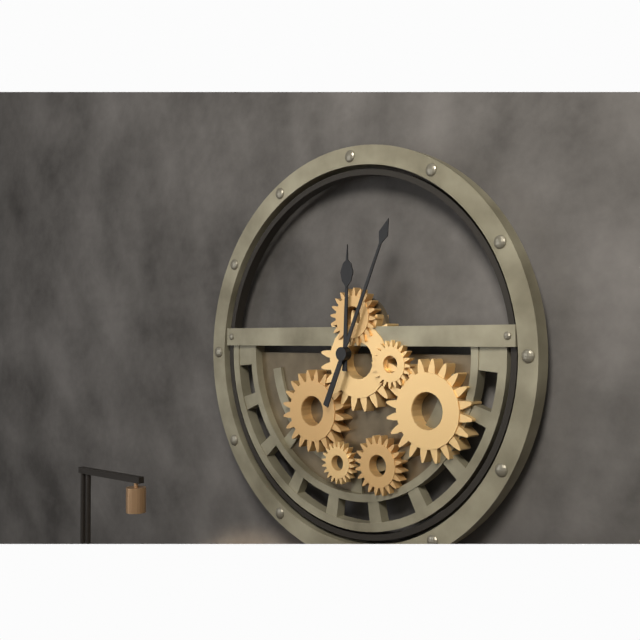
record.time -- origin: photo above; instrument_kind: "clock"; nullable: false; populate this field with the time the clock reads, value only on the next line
12:04
